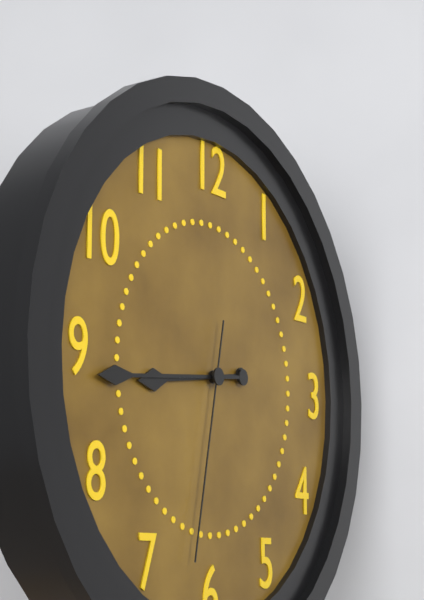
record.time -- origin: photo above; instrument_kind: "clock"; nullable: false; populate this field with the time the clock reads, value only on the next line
8:44:32
